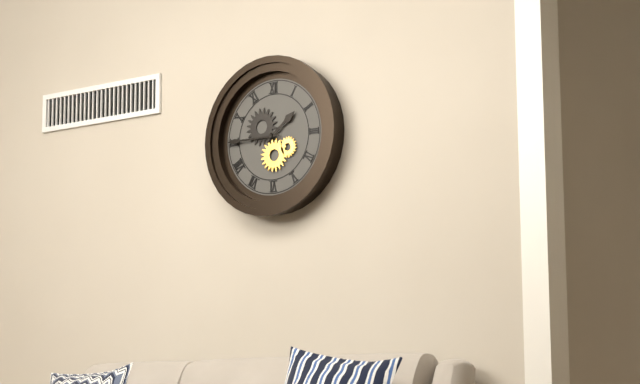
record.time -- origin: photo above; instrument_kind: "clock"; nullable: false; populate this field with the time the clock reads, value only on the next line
1:45
